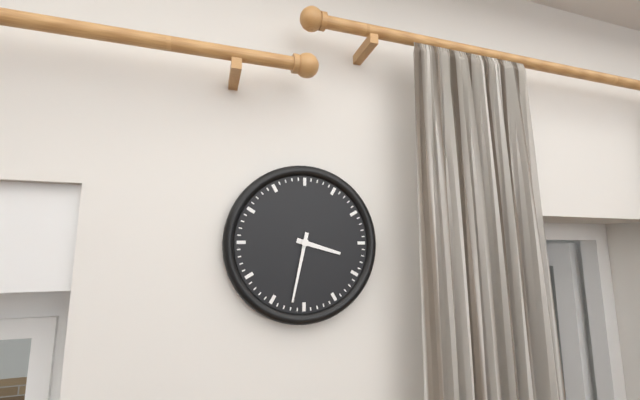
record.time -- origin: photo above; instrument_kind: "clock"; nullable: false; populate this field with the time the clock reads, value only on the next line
3:32
